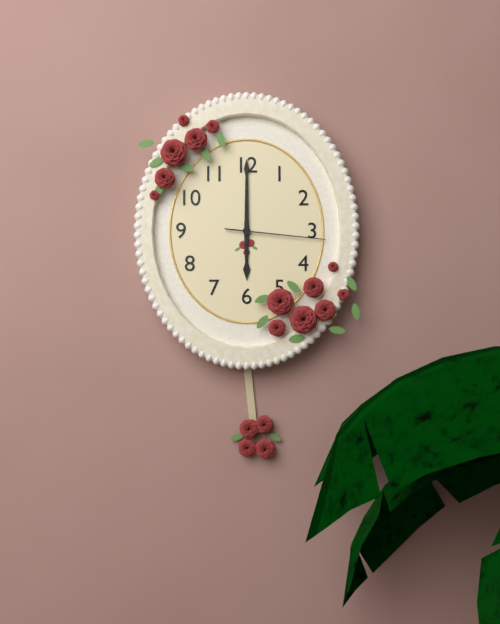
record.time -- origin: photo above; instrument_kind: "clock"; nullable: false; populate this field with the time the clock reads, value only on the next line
6:00:16
